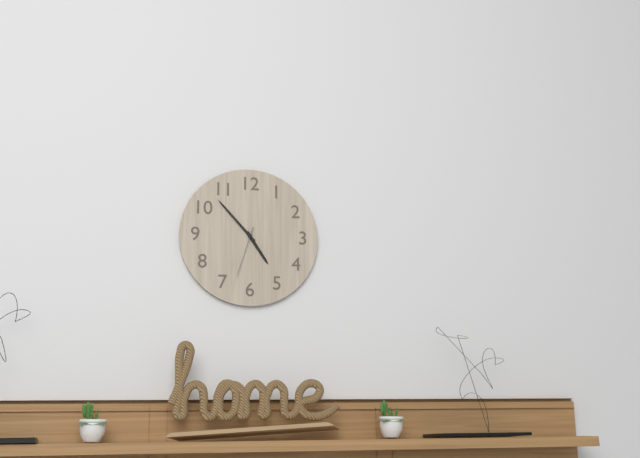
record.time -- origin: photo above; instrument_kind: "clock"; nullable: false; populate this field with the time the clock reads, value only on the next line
4:53:33
